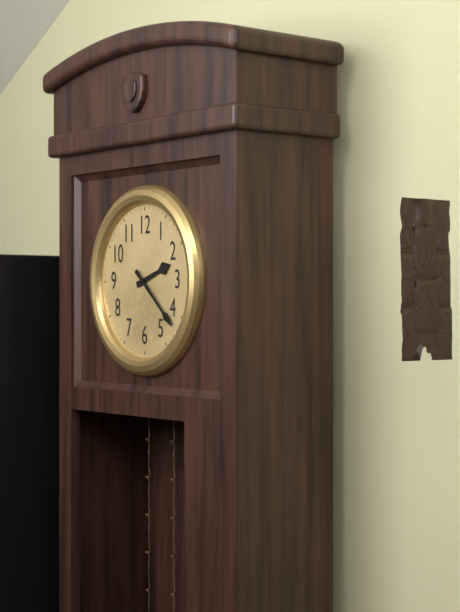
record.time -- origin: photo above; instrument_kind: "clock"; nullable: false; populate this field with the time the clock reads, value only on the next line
2:22
